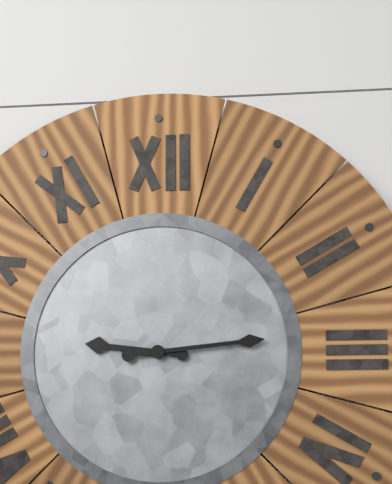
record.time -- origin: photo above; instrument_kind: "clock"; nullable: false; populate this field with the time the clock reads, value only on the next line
9:14
